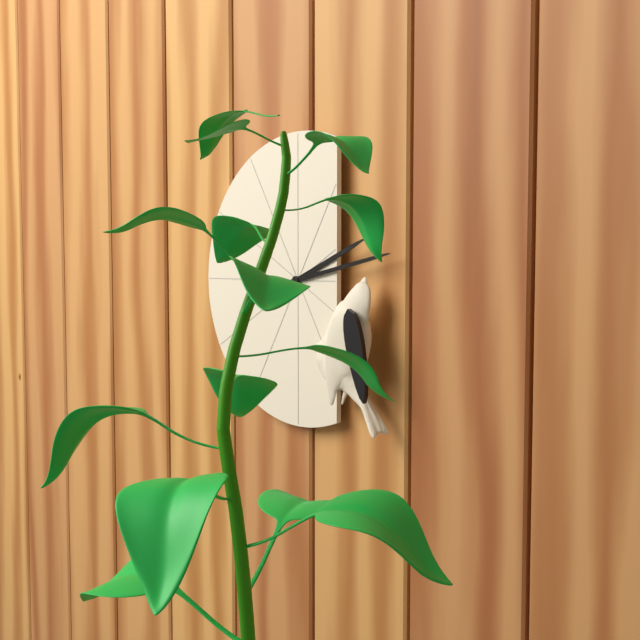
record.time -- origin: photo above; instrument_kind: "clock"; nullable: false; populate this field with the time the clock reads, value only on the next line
2:13
